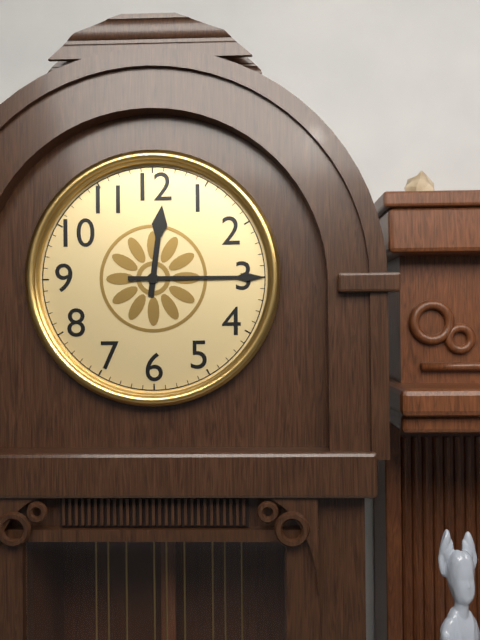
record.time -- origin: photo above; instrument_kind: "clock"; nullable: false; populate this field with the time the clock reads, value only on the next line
12:15
